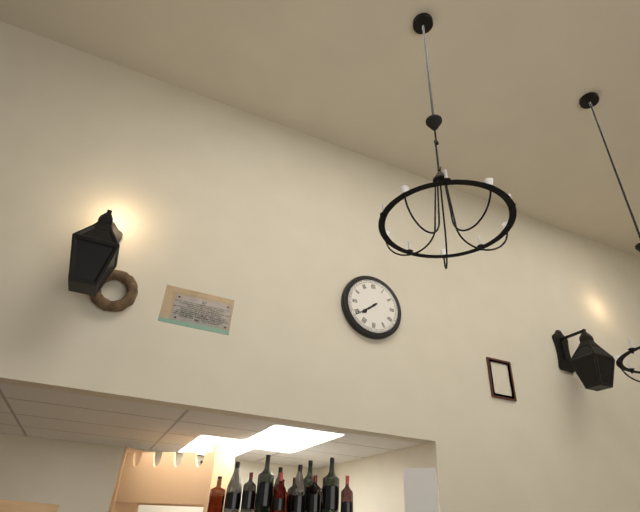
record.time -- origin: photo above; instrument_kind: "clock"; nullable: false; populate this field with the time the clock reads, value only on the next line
7:39
